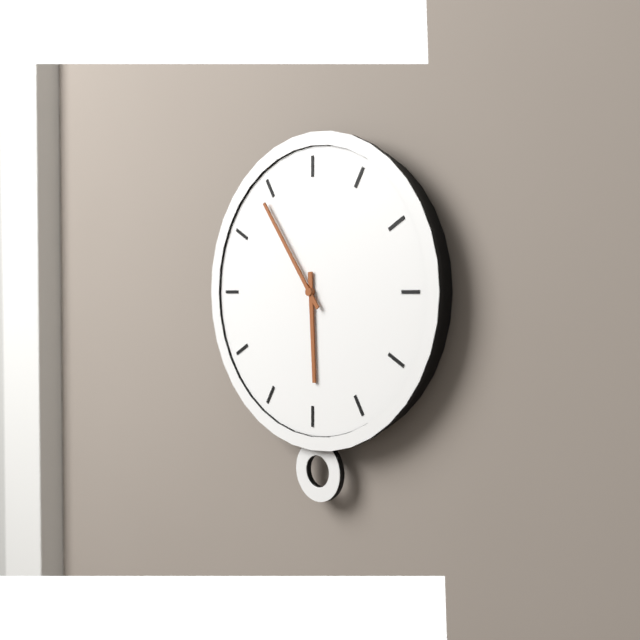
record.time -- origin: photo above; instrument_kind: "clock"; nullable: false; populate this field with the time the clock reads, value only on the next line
5:54
